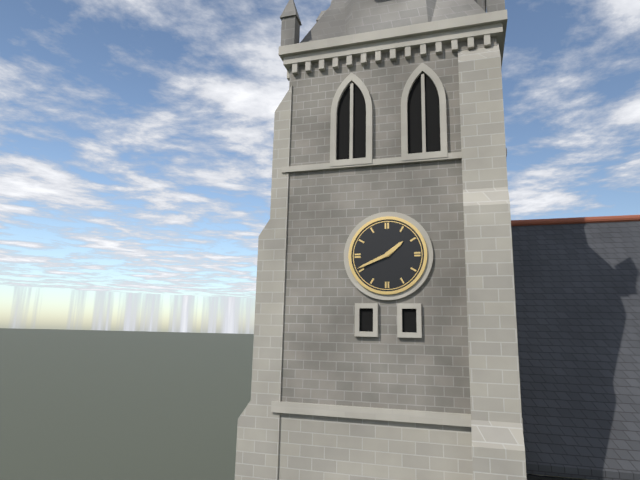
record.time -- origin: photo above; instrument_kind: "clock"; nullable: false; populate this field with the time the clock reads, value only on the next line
1:41
